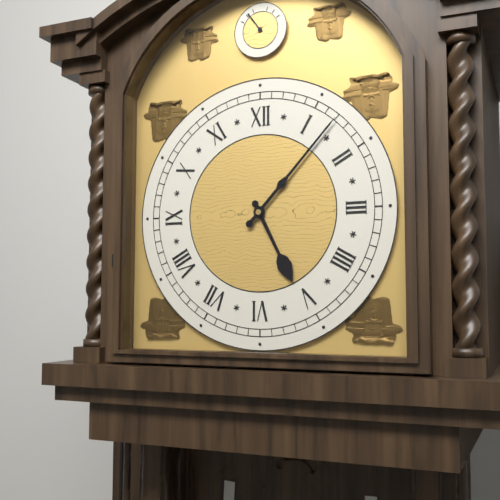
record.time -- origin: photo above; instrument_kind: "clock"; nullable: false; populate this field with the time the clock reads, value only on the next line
5:07
